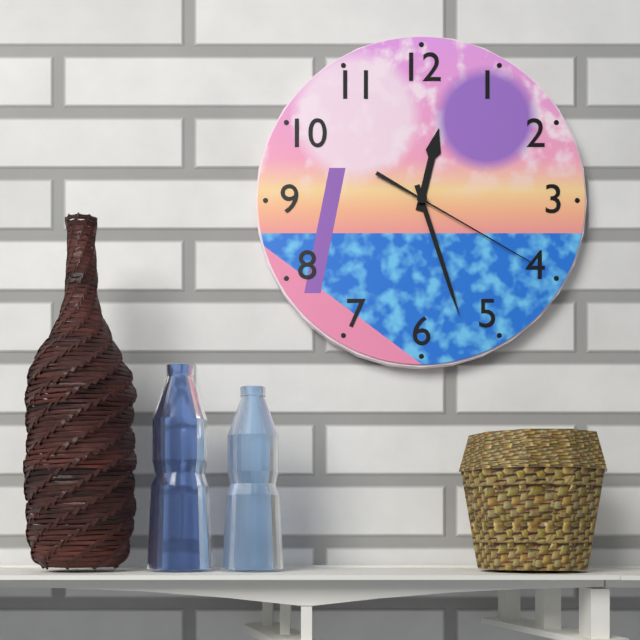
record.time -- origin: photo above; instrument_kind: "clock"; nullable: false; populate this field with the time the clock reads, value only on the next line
12:27:20
